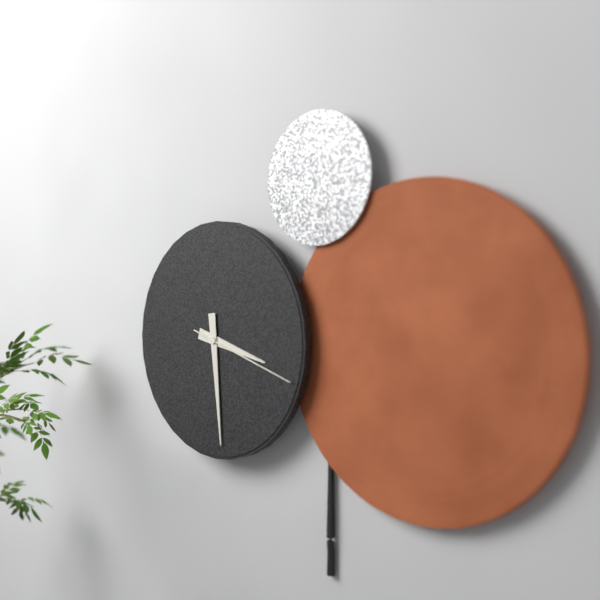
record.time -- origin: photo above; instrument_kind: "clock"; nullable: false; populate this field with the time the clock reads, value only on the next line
3:29:18
